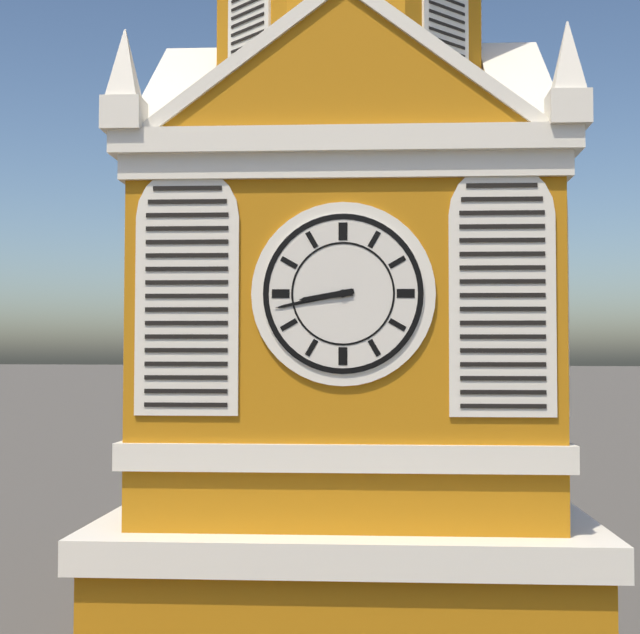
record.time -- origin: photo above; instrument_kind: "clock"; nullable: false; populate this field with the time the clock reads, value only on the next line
8:43
